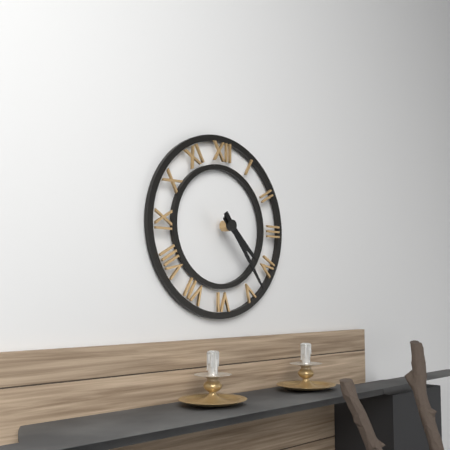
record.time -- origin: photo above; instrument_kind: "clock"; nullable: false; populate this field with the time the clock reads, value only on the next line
4:24
